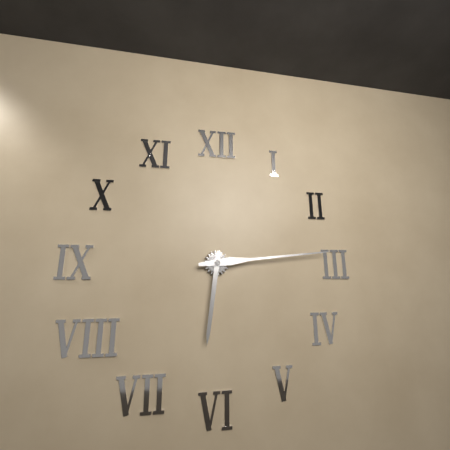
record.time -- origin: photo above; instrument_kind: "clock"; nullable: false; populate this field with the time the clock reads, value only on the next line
6:14
